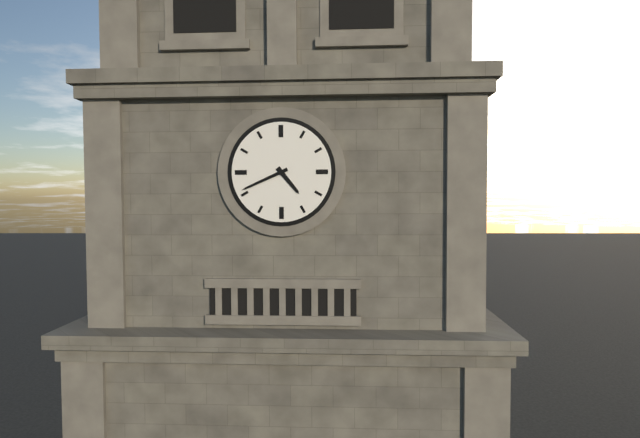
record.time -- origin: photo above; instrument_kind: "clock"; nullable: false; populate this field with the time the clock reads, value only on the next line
4:41
